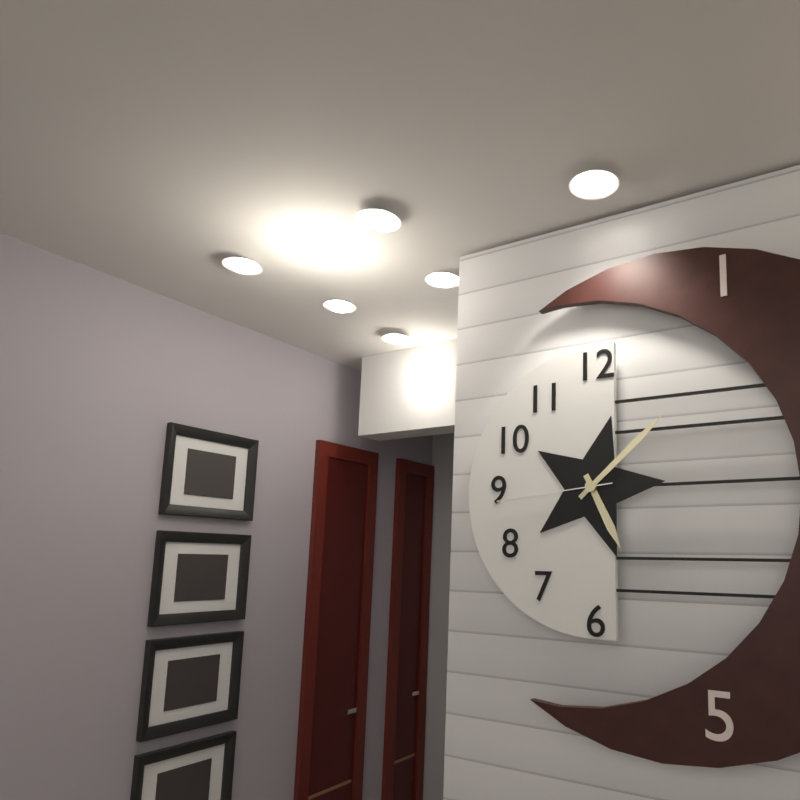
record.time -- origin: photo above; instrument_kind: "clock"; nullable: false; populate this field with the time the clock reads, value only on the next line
5:08:44
